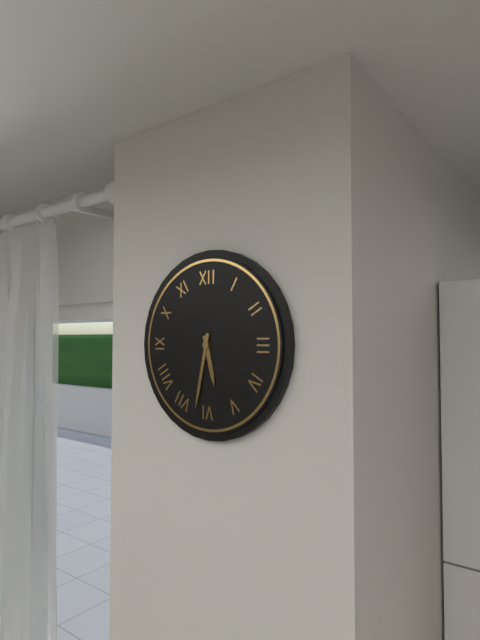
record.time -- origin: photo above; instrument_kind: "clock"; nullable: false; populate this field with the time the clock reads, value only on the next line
5:32
